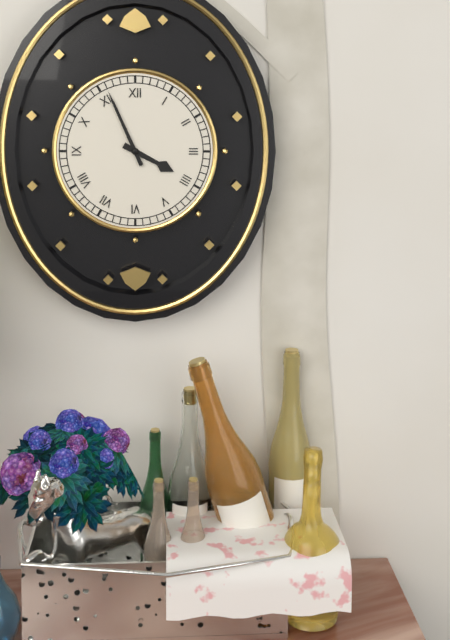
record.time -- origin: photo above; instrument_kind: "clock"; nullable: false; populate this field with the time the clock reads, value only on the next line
3:56
